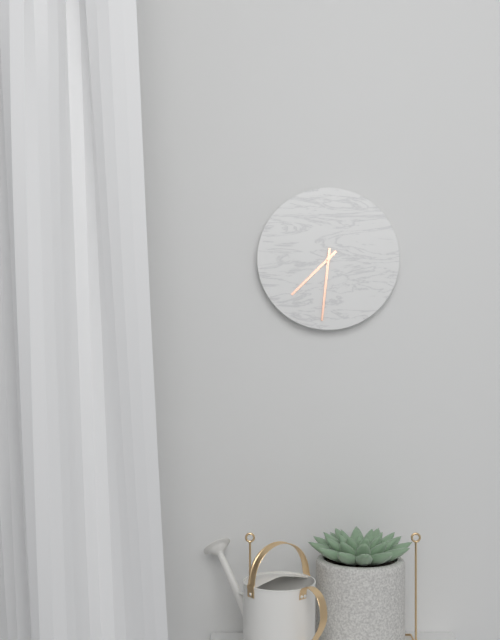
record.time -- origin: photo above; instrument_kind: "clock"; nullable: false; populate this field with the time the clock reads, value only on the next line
7:31
